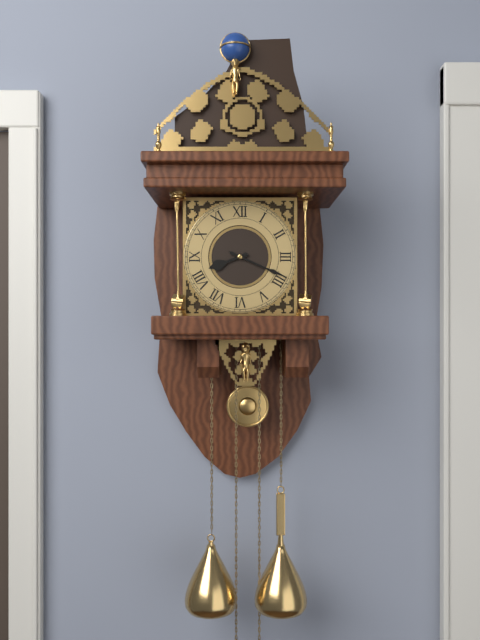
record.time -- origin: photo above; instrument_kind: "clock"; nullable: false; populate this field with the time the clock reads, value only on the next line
8:19
